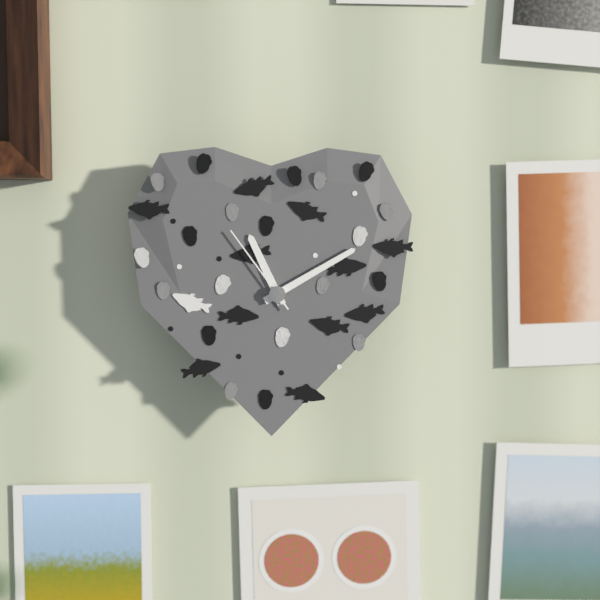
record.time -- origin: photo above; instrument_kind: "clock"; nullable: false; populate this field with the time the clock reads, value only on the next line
11:10:54
